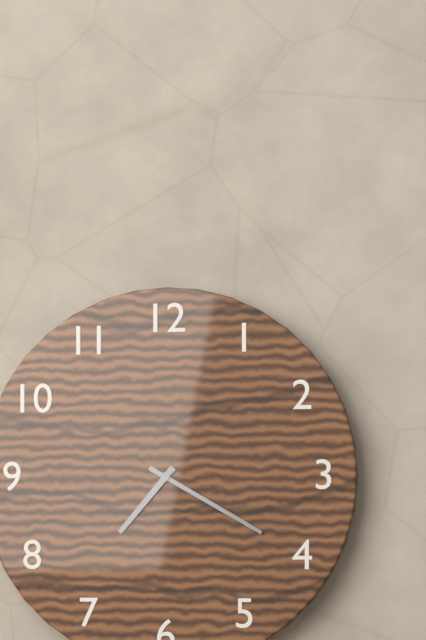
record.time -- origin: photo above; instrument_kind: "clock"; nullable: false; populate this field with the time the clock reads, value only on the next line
7:20
